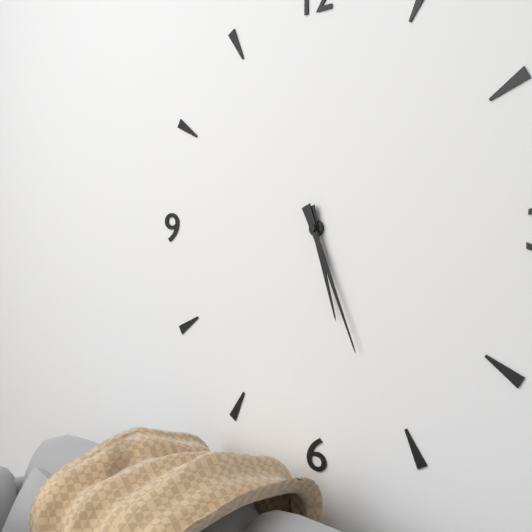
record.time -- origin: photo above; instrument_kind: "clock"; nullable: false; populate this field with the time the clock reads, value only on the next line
5:26
